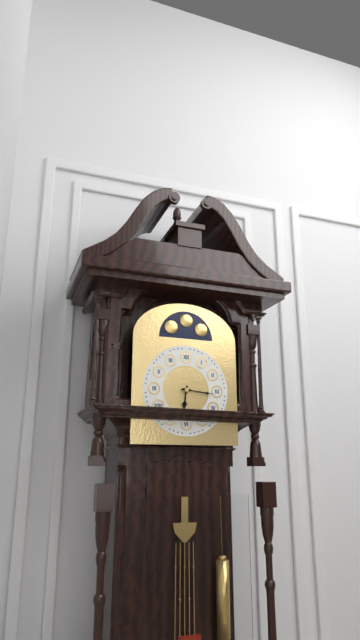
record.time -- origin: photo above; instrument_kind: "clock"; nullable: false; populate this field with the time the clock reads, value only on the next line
6:16
